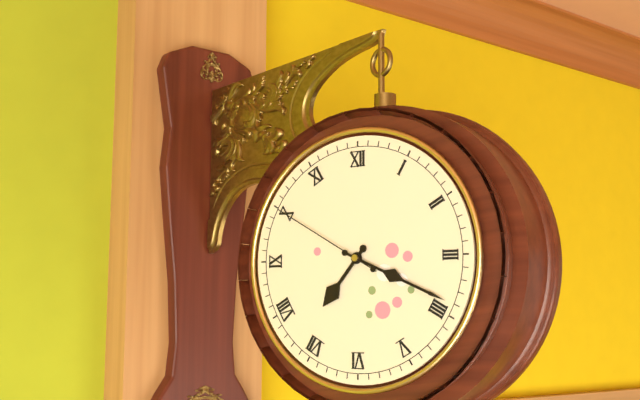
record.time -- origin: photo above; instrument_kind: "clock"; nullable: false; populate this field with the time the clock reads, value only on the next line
7:19:50
